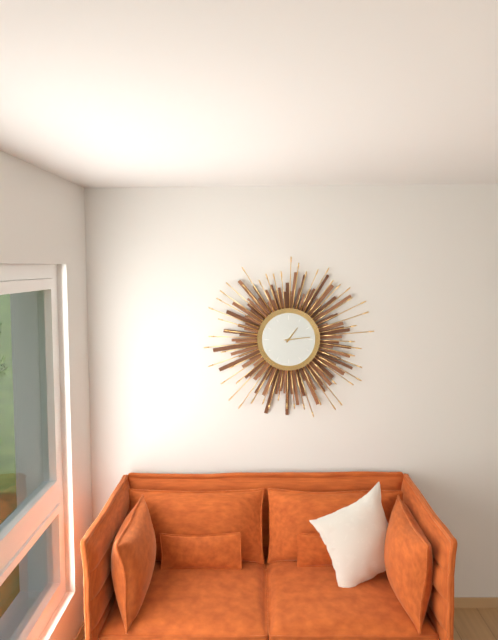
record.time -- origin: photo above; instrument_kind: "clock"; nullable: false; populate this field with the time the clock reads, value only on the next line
1:14
